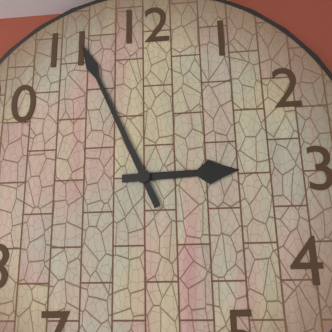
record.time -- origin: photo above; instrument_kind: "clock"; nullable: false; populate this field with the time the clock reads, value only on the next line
2:56
